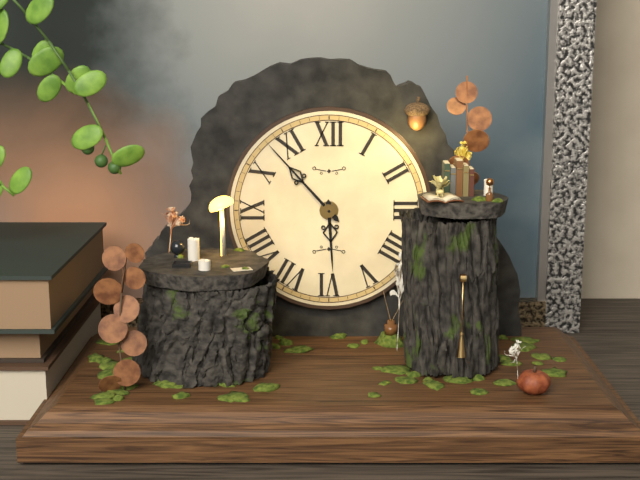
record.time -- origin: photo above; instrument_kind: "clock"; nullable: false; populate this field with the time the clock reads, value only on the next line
5:53
